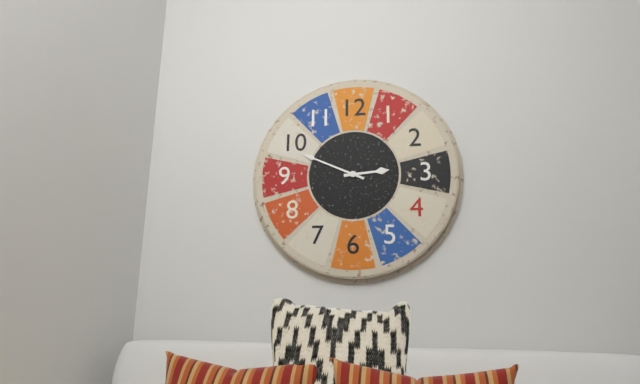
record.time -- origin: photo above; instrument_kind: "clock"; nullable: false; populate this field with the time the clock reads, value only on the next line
2:49
